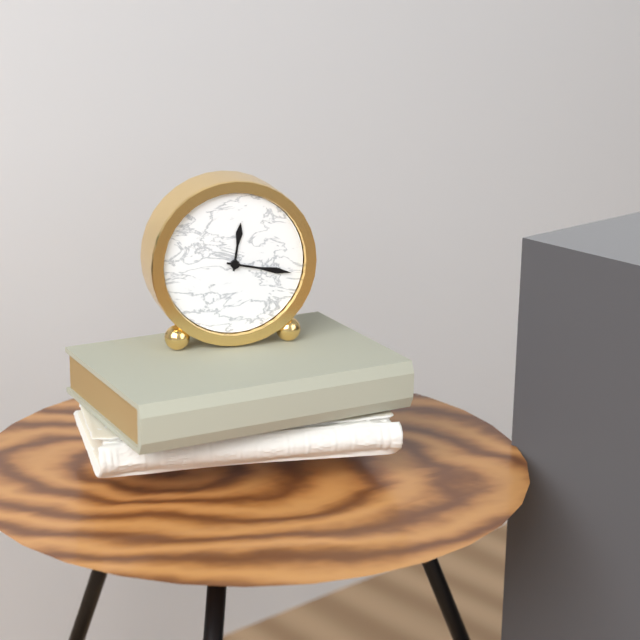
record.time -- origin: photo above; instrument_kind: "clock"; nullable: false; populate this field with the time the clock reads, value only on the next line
12:17
